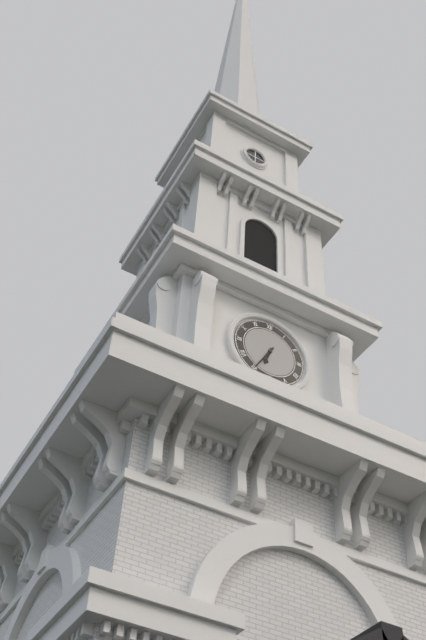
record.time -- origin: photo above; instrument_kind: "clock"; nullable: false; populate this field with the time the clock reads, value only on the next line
6:35
